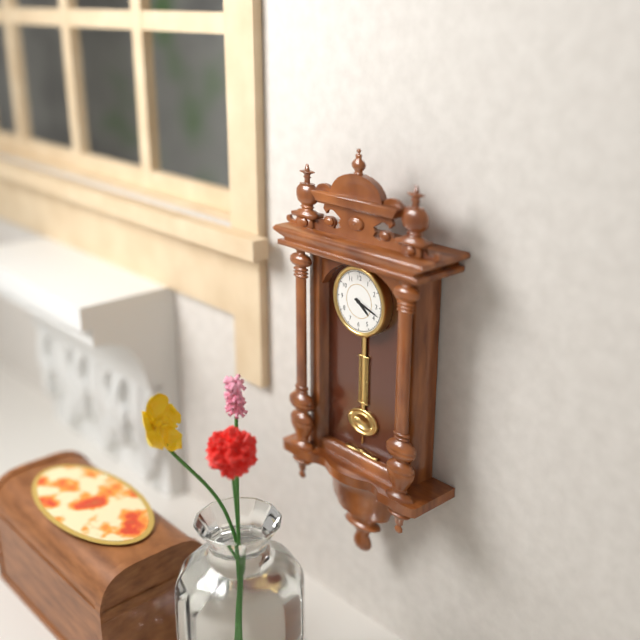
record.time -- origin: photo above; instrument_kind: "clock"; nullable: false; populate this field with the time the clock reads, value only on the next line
4:18
